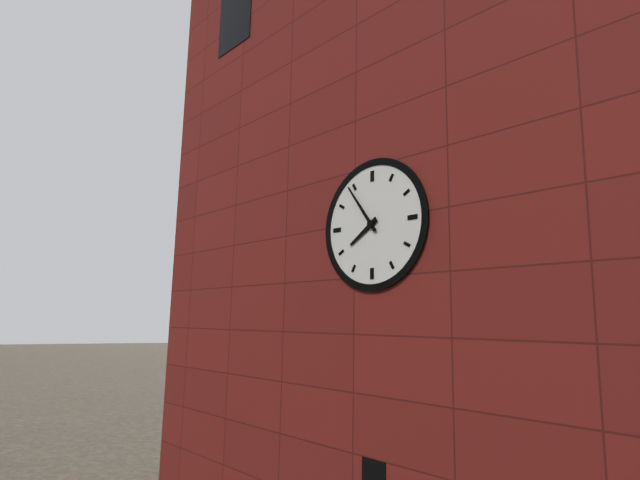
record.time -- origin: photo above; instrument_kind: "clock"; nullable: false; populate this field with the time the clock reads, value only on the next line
7:54
